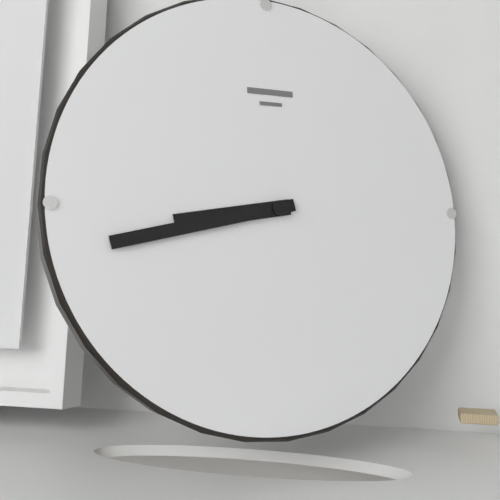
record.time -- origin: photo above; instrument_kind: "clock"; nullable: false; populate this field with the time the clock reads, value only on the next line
8:43
